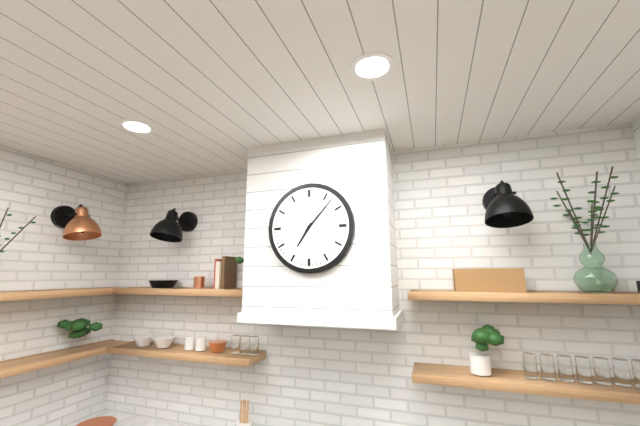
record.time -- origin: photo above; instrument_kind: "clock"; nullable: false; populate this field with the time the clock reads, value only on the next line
7:07
